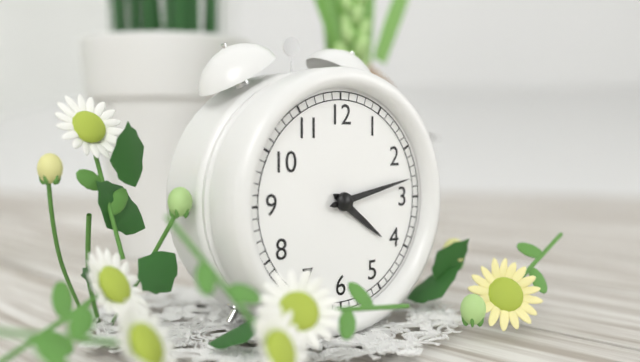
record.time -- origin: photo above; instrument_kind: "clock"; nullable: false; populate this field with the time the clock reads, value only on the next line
4:13
